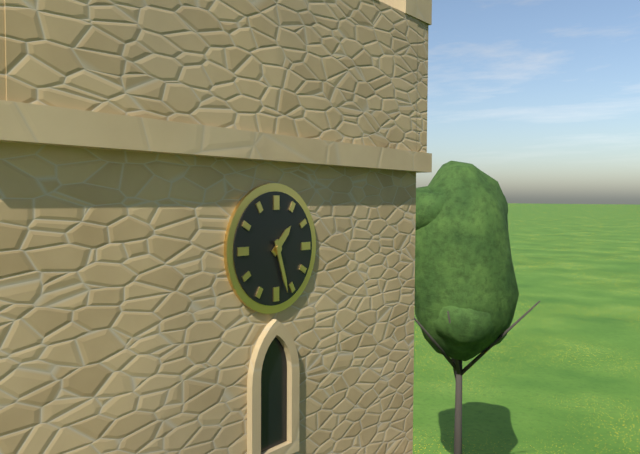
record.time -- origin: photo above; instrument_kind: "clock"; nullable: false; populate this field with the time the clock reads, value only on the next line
1:27
